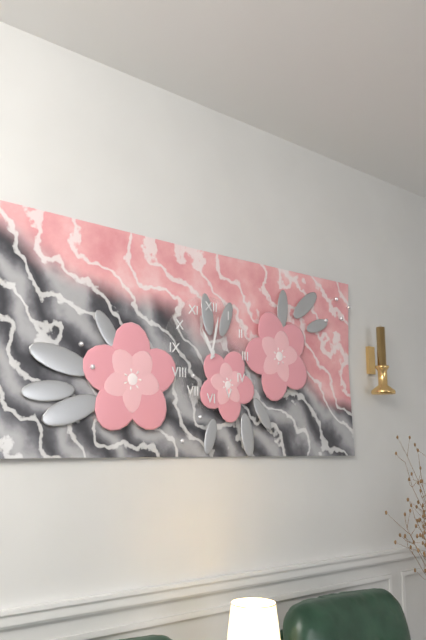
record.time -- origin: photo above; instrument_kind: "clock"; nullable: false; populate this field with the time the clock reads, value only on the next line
11:02
